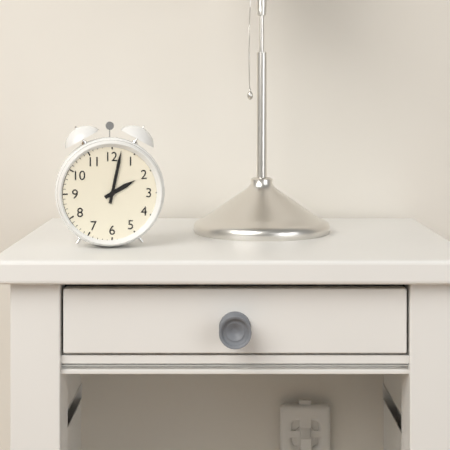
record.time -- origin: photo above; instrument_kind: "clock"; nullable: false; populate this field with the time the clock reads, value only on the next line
2:02
